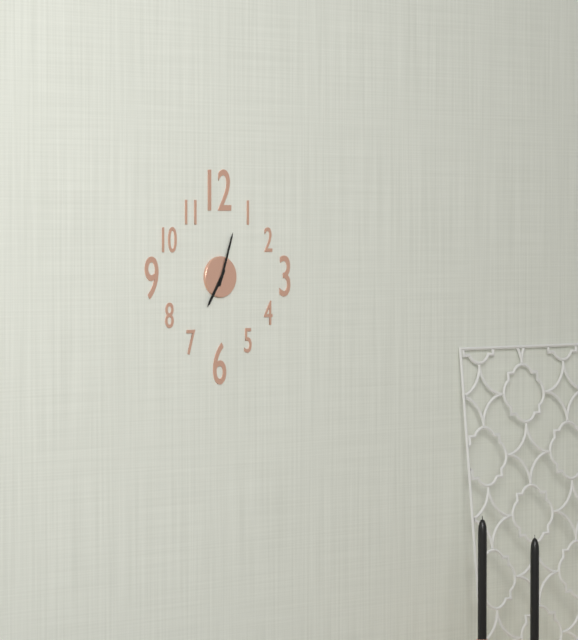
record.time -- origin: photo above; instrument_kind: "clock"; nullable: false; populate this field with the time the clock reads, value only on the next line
7:03
